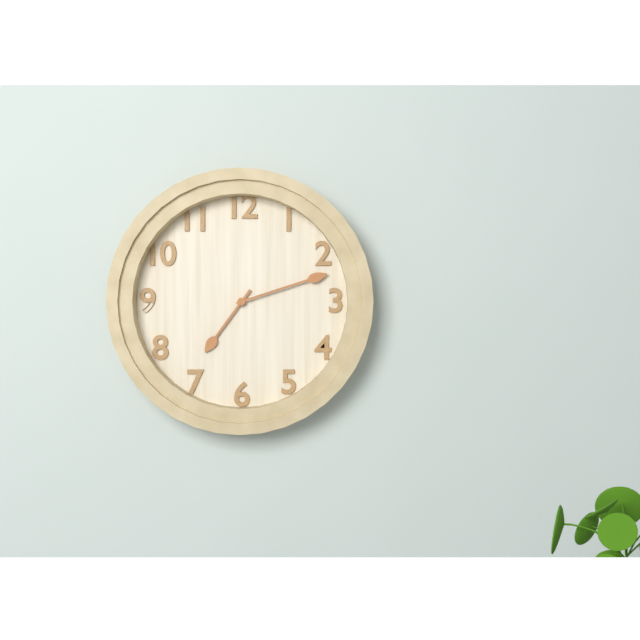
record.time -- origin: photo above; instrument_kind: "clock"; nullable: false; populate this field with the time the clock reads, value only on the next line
7:12
